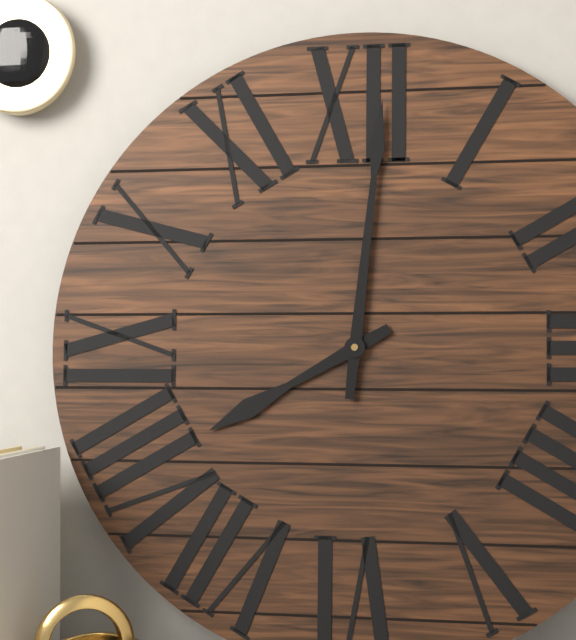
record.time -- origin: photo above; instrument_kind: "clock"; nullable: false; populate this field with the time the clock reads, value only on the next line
8:01
